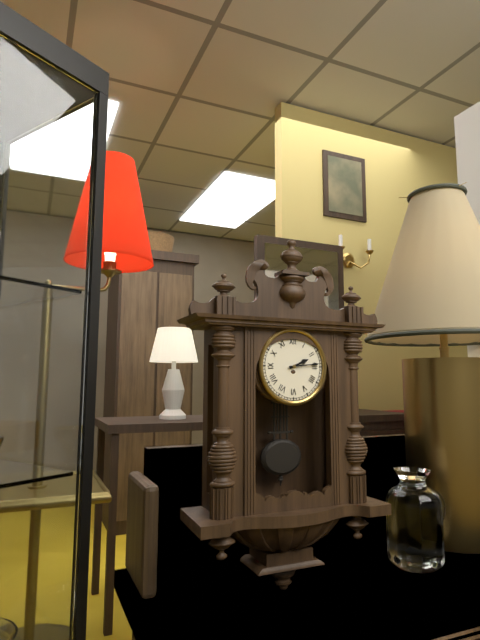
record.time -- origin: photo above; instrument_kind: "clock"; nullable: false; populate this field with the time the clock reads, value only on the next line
2:14
